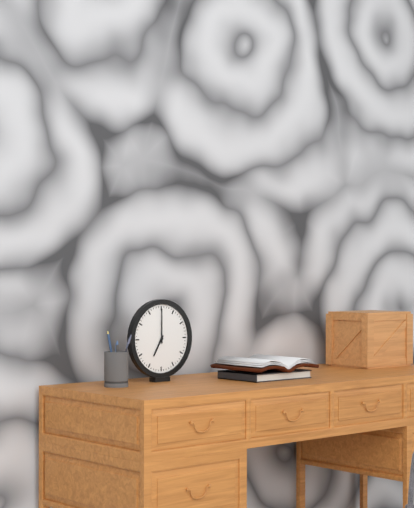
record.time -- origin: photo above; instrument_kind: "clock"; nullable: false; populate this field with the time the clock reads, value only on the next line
7:00
